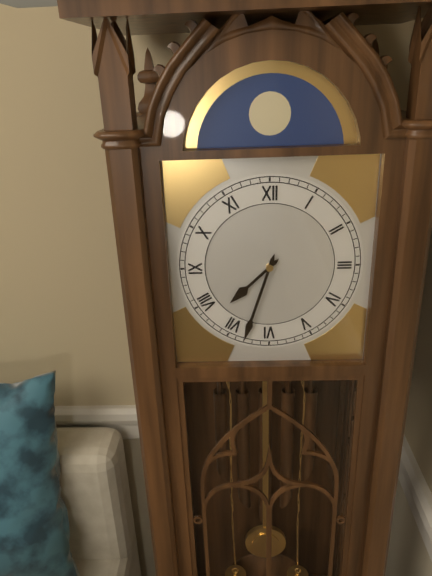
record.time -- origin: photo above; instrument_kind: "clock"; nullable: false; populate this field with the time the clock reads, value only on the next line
7:33
